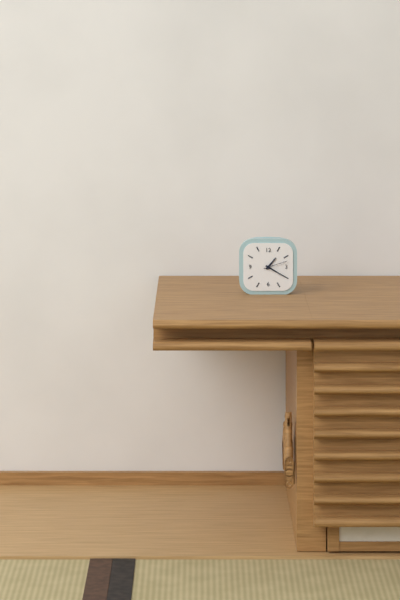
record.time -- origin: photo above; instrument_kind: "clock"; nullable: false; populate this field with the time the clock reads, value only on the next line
1:20
